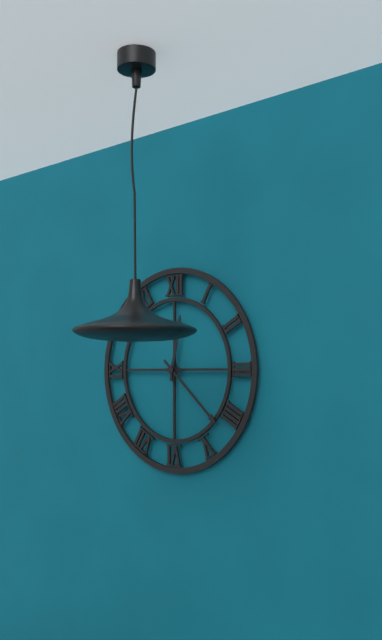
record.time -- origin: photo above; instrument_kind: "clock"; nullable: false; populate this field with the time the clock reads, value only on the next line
12:22
